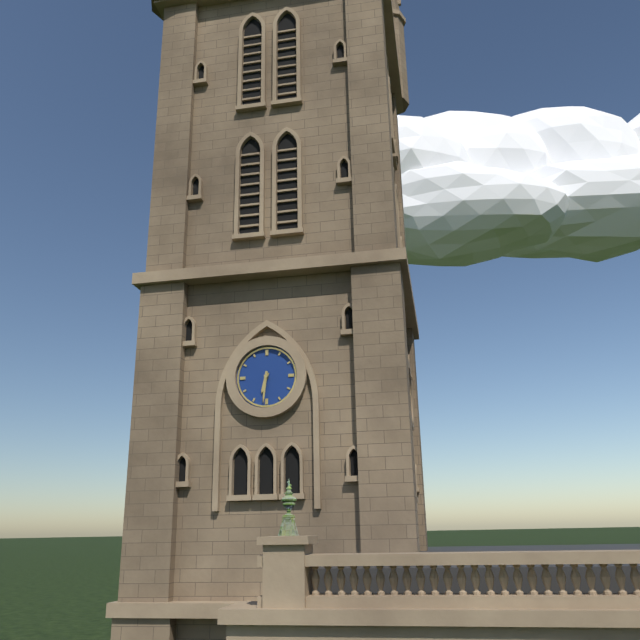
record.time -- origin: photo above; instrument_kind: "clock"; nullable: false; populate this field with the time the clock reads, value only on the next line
6:31
